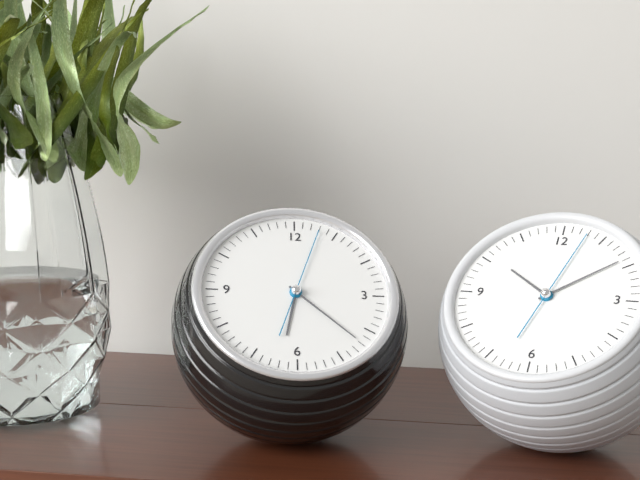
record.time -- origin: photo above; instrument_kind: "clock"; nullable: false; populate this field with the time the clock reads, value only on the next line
6:22:03
